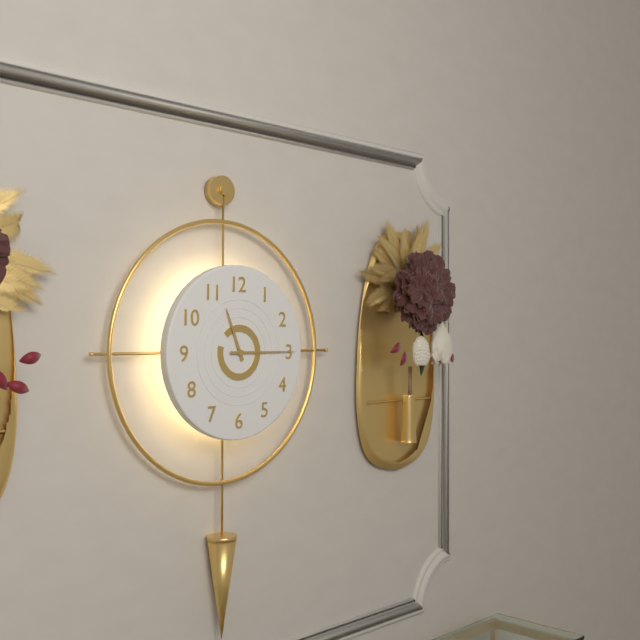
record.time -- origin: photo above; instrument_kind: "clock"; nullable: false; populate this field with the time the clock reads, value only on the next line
11:15
